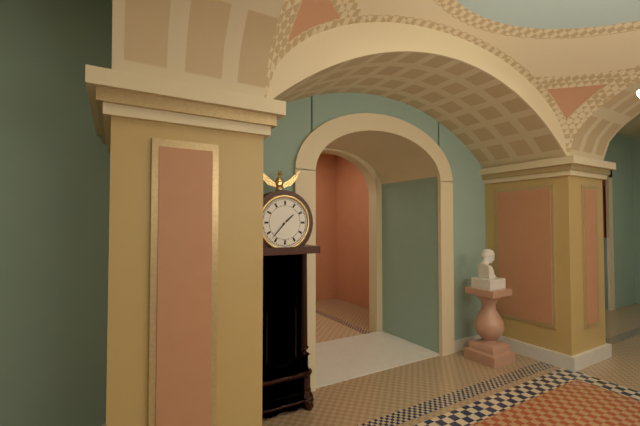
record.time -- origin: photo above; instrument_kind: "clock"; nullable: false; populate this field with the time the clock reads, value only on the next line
1:37
